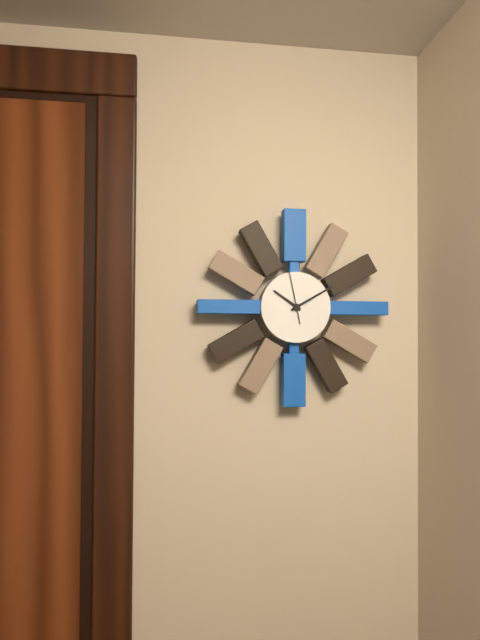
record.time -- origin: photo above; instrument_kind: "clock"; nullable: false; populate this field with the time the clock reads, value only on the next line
10:10
